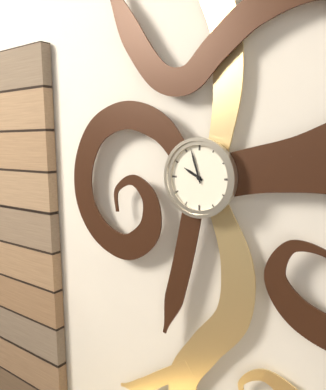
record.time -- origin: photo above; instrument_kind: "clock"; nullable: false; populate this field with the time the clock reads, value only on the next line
9:57
